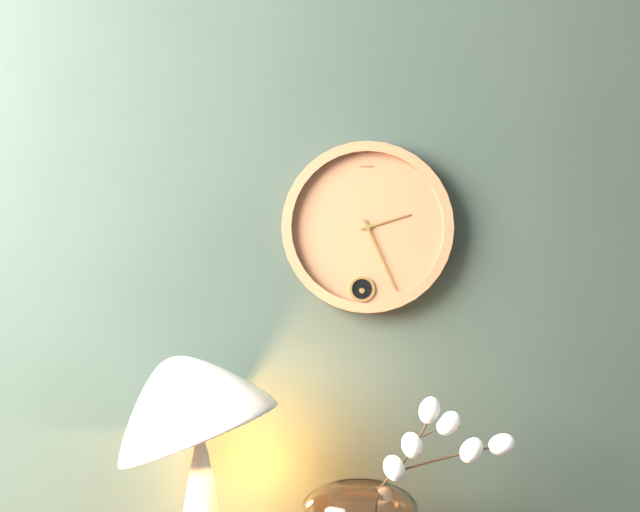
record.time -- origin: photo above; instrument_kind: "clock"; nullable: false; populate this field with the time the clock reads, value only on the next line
2:26
